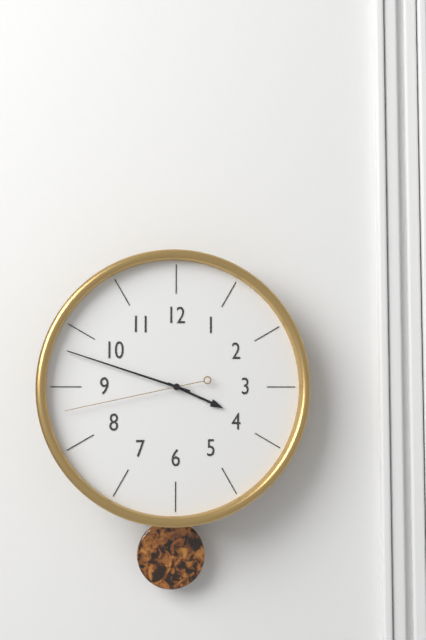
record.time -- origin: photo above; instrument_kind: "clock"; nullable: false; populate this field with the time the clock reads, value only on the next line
3:48:43
